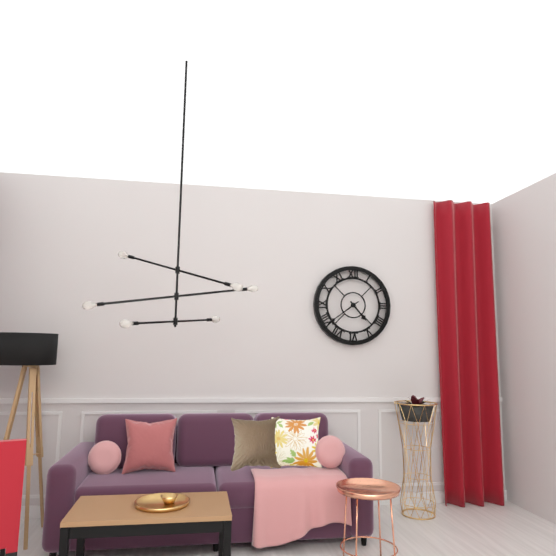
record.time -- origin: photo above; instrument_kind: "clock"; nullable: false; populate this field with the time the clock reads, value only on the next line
4:39
